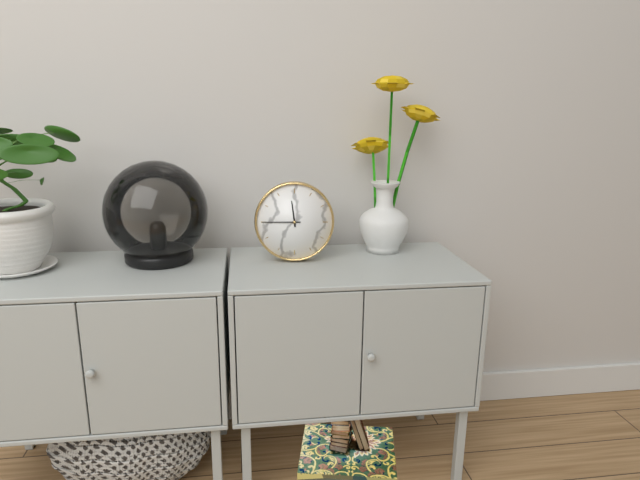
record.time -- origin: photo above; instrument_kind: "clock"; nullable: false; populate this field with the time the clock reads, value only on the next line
11:45
